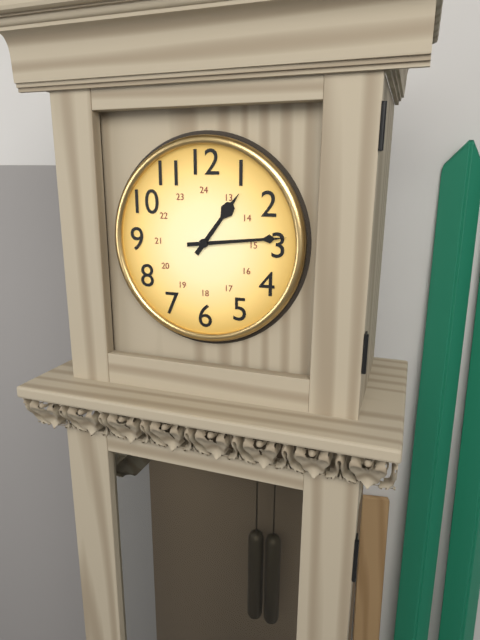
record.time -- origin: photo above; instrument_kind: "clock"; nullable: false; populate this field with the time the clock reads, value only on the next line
1:14
